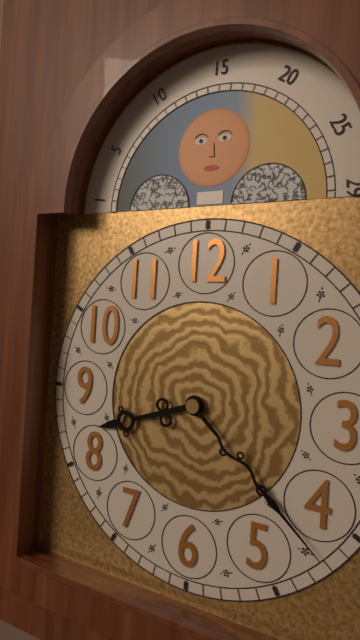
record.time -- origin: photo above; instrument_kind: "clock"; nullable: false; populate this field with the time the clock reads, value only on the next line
8:22
